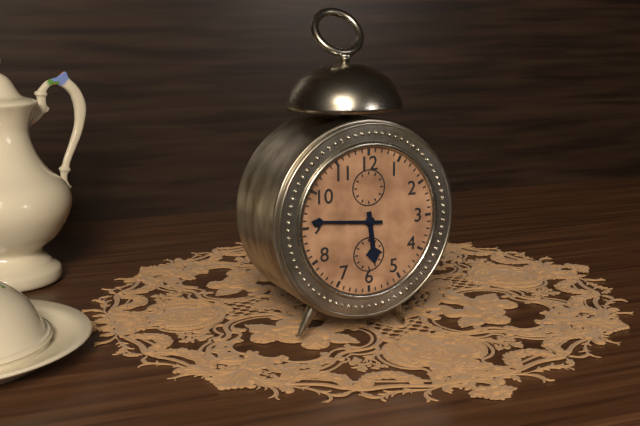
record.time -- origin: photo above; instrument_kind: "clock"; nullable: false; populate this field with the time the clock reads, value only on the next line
5:46
